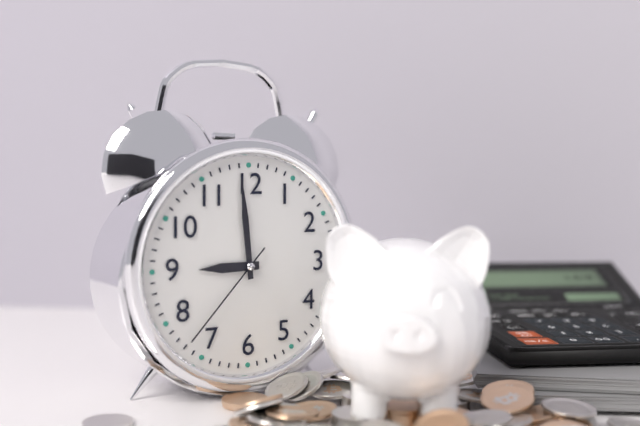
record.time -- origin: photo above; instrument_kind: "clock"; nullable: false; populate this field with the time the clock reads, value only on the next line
8:59:37
